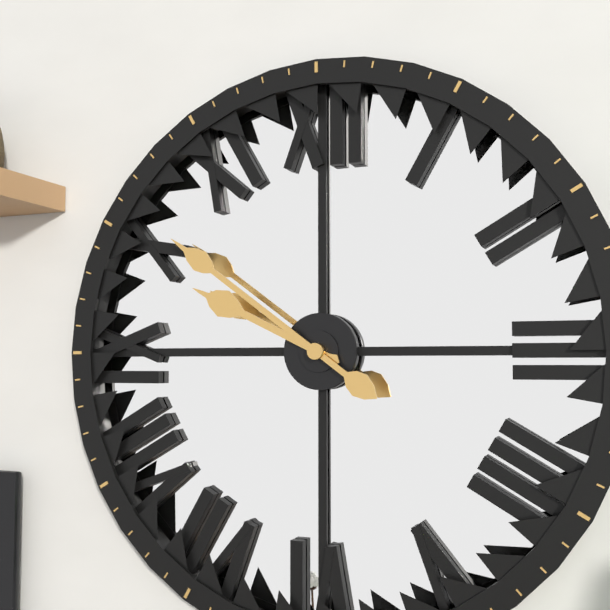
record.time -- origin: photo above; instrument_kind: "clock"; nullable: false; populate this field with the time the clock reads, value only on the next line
9:51
